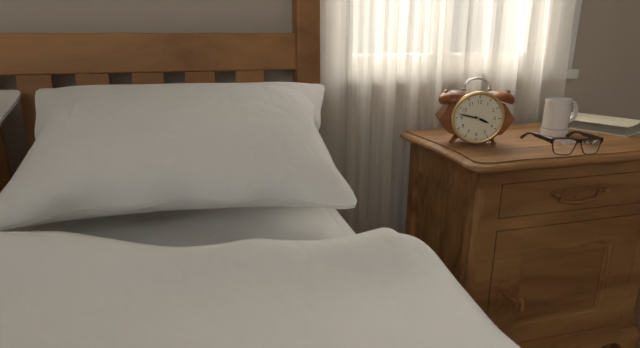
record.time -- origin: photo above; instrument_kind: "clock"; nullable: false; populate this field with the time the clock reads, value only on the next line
3:47
